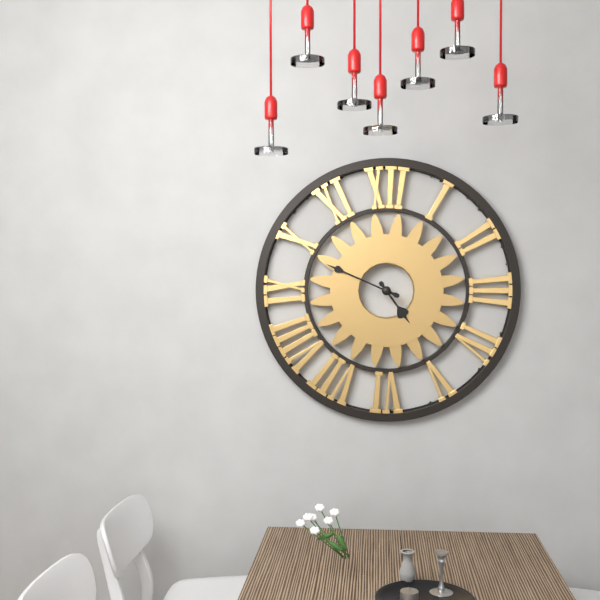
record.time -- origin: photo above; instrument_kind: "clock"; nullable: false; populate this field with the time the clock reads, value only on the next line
4:49
